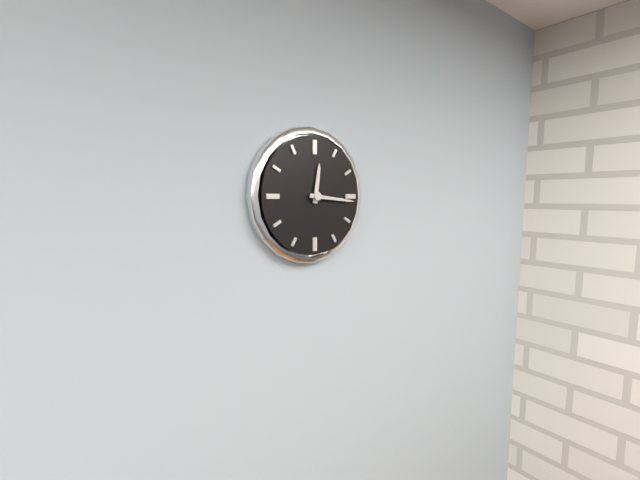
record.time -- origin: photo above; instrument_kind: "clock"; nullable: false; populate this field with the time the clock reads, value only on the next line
12:16
